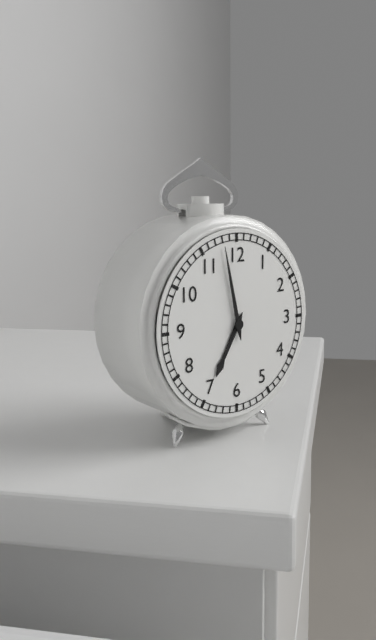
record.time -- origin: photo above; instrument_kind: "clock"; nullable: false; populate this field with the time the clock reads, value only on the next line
6:58
